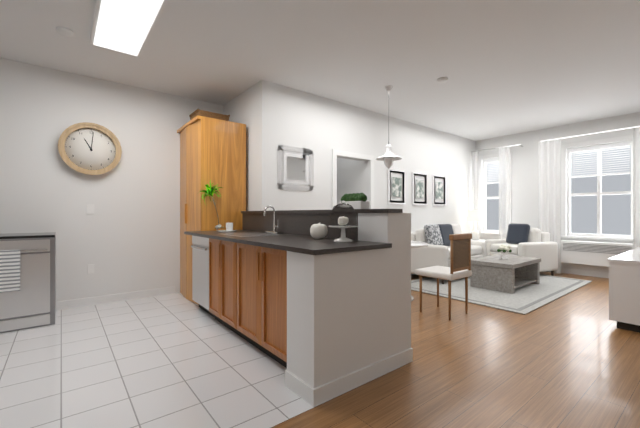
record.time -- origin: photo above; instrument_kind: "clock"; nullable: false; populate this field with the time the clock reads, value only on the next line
11:01
